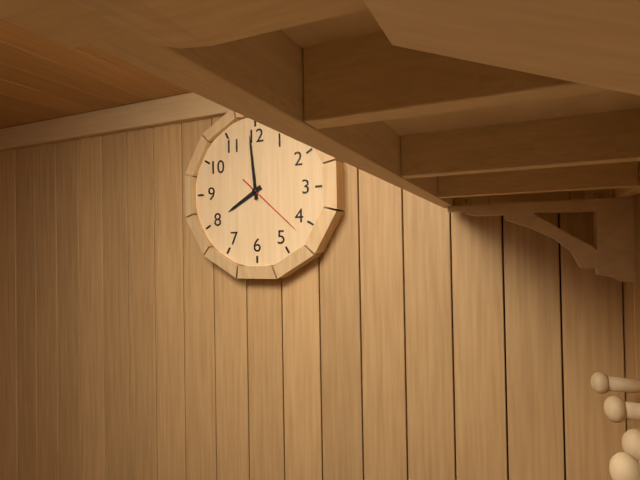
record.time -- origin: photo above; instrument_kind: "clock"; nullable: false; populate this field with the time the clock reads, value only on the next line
7:59:22
